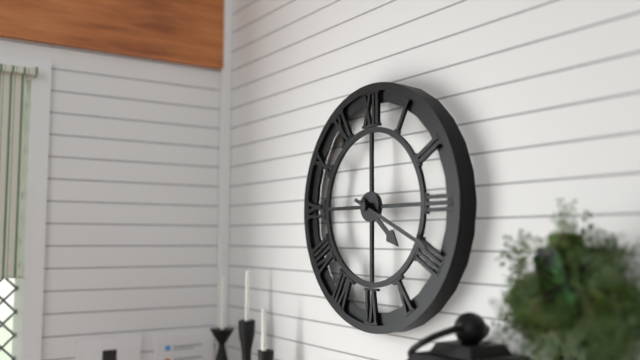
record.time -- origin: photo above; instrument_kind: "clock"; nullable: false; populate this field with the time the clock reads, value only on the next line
4:19
